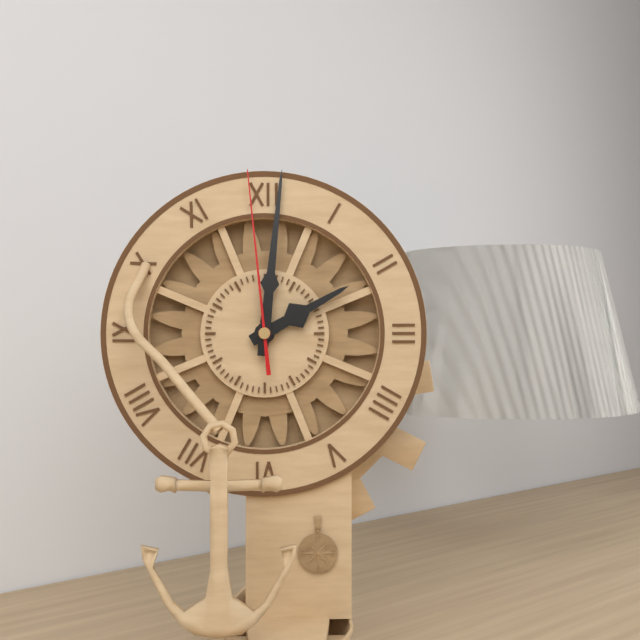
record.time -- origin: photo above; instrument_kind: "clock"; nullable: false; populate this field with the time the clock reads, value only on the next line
2:01:59
